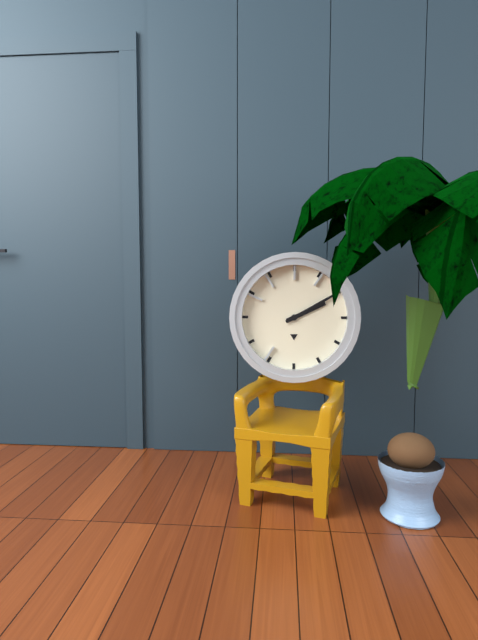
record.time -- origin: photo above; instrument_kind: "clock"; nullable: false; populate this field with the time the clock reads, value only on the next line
2:10
